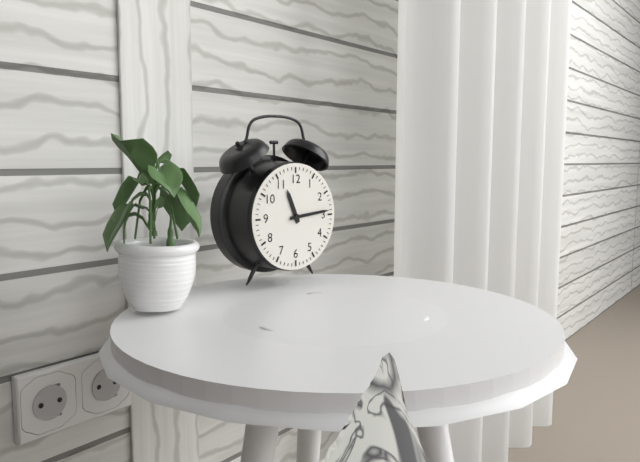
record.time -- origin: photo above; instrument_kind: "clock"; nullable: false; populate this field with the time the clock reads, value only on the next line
11:14
